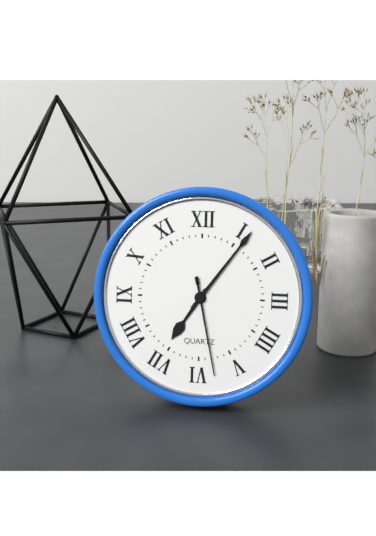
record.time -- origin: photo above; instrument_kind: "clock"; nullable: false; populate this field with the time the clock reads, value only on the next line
7:06:28
